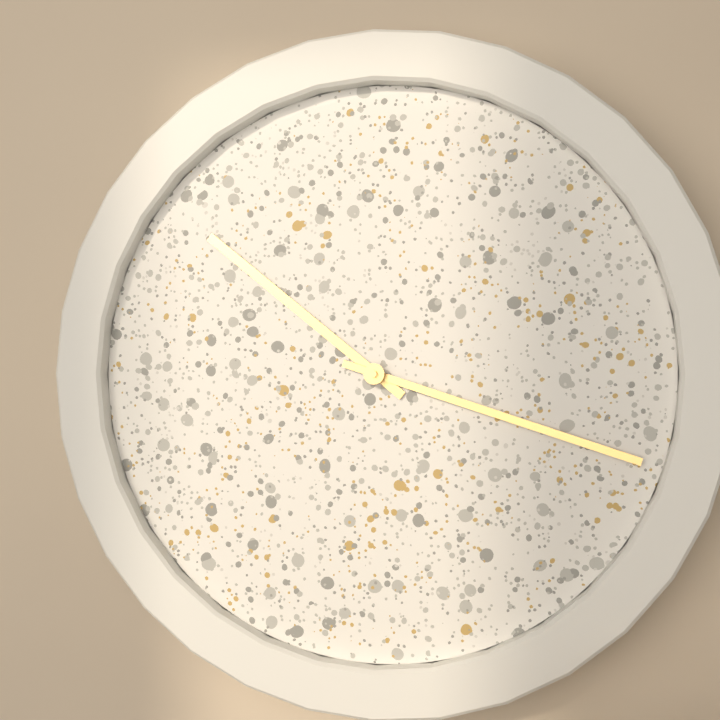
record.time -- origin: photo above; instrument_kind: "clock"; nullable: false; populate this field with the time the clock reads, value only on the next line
10:18
